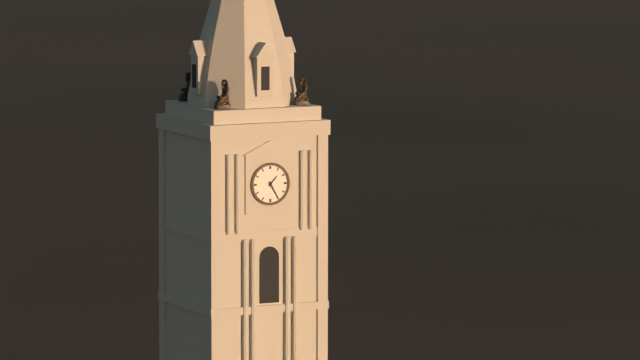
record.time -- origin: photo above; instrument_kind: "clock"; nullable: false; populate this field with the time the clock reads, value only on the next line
1:25
